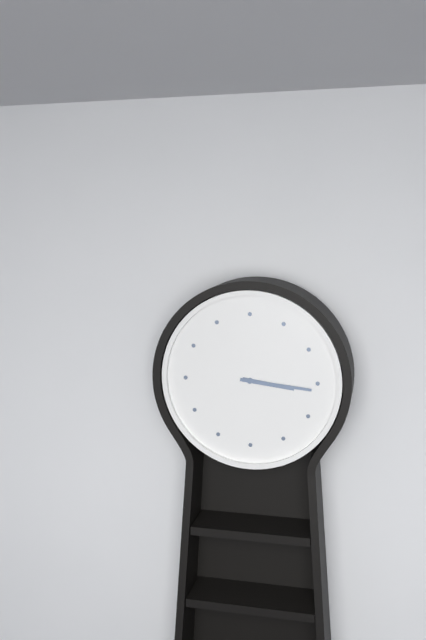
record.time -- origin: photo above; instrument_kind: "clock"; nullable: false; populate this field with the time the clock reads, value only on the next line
3:16
